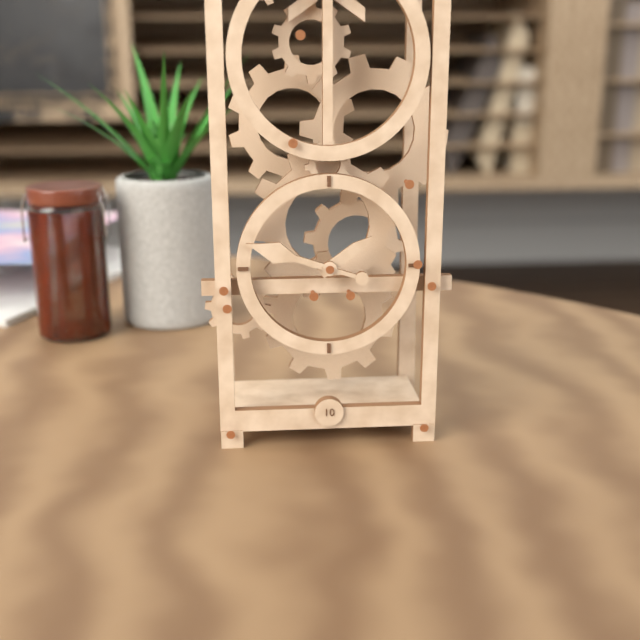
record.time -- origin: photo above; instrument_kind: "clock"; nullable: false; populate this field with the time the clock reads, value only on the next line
1:48
